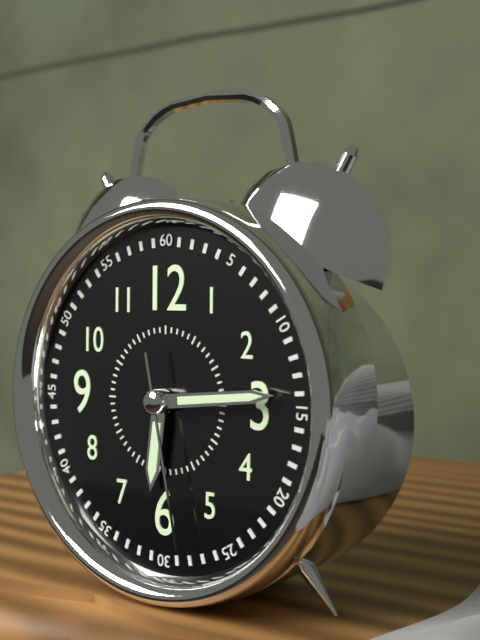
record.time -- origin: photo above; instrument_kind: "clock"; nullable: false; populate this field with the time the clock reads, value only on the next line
6:14:28
